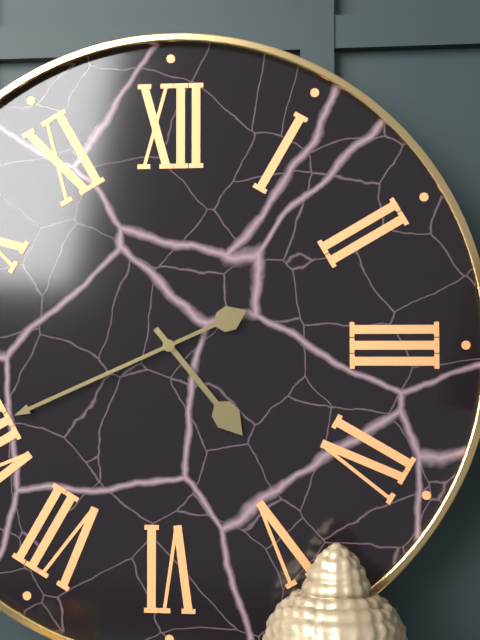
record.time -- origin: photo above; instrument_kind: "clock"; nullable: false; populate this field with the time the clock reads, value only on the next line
4:41
